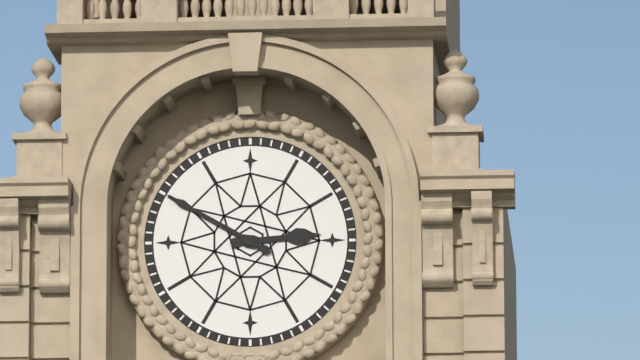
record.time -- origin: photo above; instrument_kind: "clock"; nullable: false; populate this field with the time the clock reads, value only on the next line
2:50
